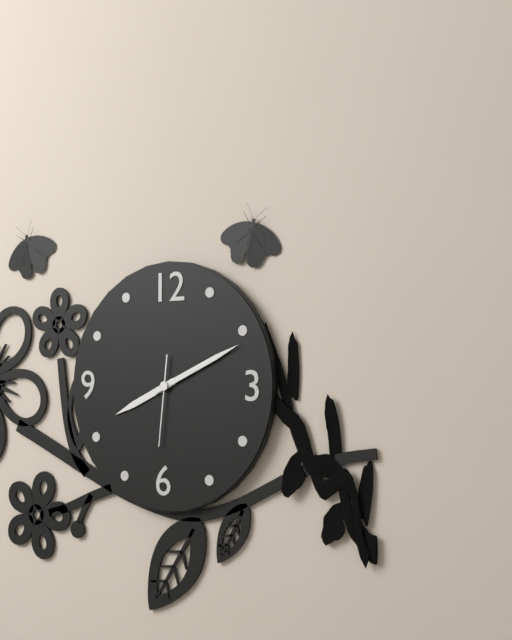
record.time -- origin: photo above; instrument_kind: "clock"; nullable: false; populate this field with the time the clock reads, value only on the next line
8:11:31
